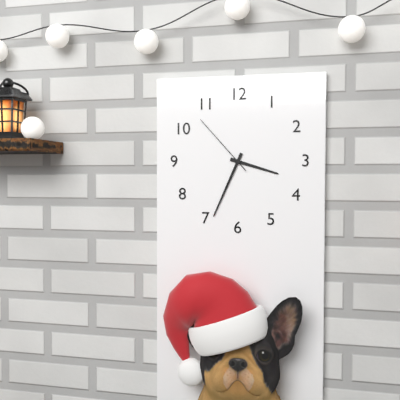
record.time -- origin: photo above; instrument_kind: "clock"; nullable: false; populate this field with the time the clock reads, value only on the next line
3:34:53
